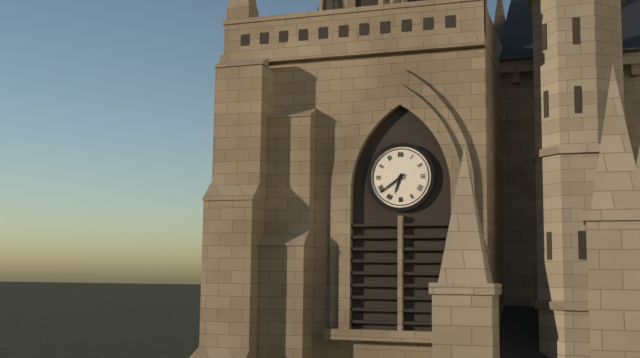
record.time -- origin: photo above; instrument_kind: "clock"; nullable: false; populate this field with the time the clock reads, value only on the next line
6:39
